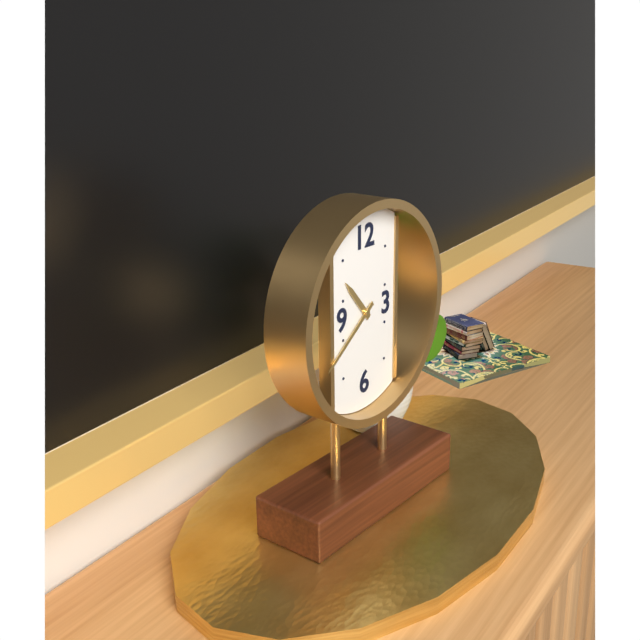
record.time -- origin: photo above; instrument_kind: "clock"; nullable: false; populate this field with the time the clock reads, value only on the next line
10:39
